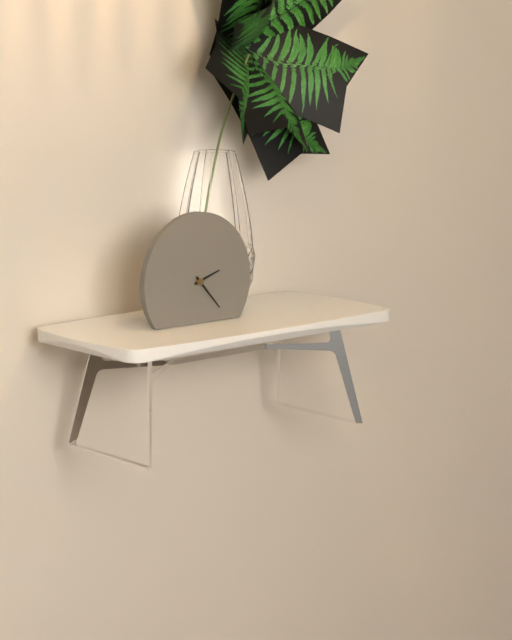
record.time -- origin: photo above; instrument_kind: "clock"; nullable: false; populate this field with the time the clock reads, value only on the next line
2:23
